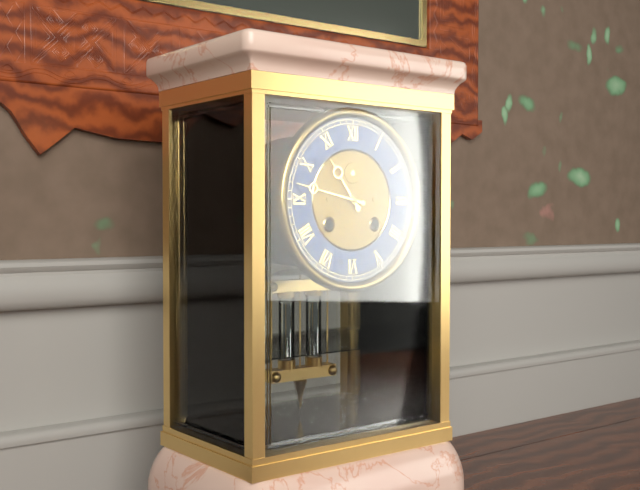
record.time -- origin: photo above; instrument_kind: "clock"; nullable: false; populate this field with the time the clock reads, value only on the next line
10:47
